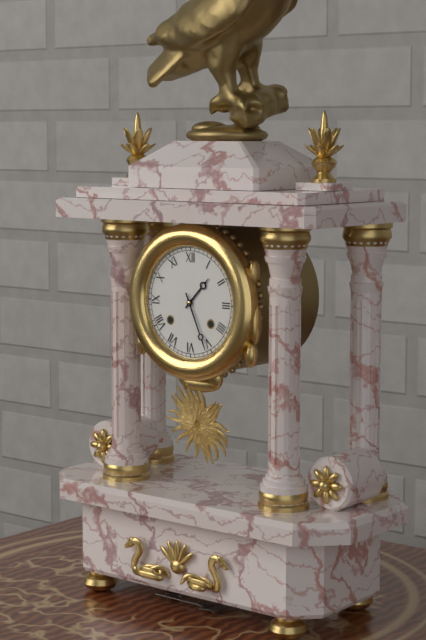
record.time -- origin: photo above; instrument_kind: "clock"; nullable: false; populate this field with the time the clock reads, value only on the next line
1:26
